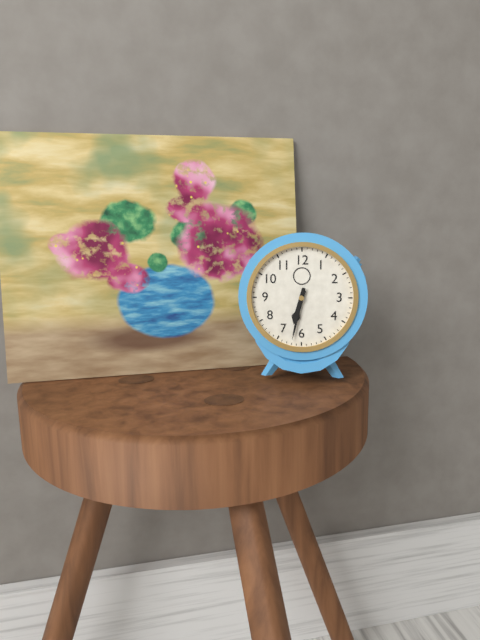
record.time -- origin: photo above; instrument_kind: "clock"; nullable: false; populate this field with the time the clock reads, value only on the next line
6:32
